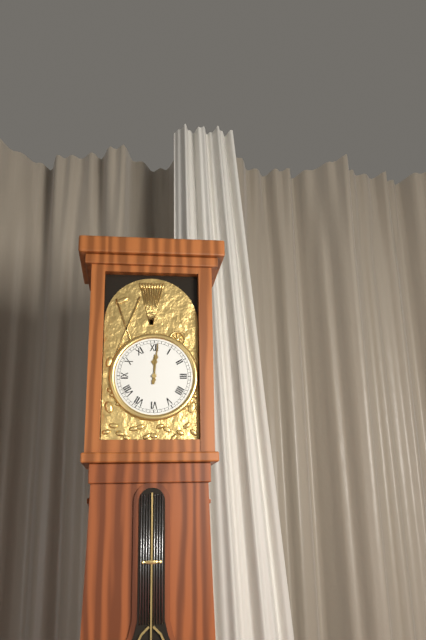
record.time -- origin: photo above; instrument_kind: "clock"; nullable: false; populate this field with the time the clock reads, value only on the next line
12:01
